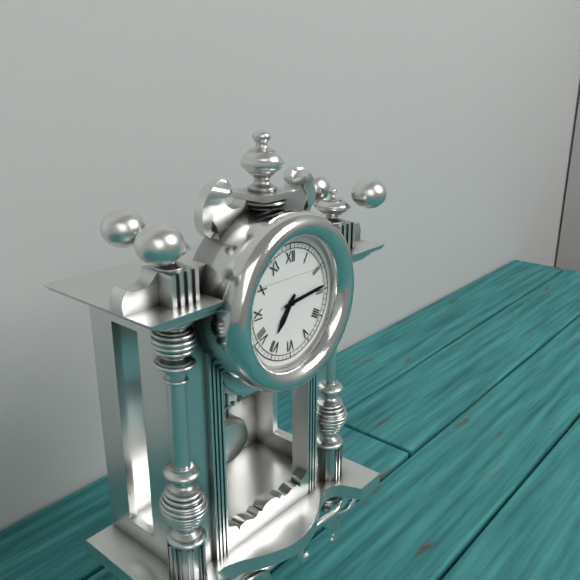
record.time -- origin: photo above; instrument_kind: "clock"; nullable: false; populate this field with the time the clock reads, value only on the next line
7:14
